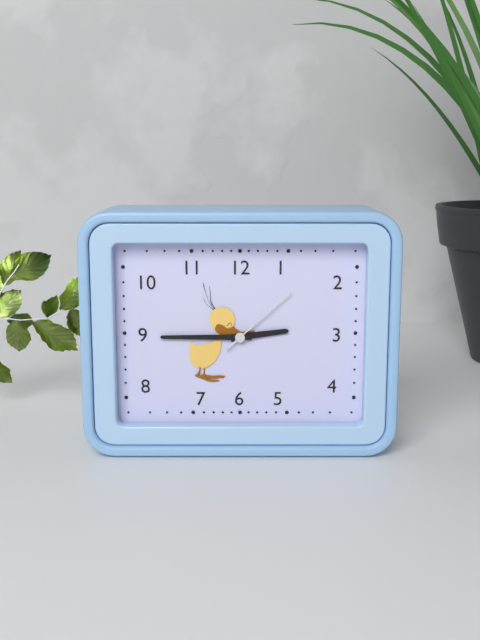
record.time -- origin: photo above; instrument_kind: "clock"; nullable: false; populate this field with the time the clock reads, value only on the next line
2:45:08
